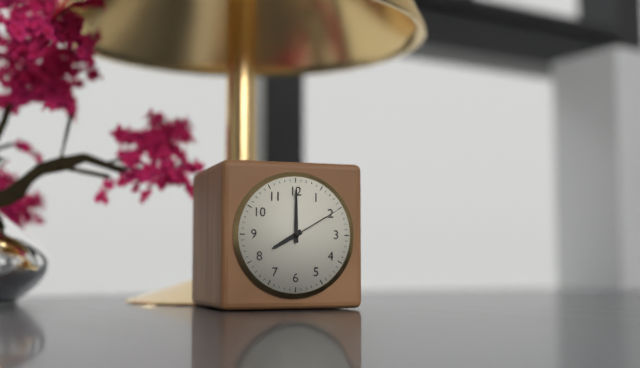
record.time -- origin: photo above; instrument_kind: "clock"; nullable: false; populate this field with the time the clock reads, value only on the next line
8:00:10
